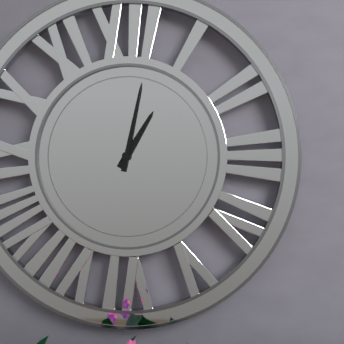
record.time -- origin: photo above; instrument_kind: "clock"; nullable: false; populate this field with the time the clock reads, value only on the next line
1:02
